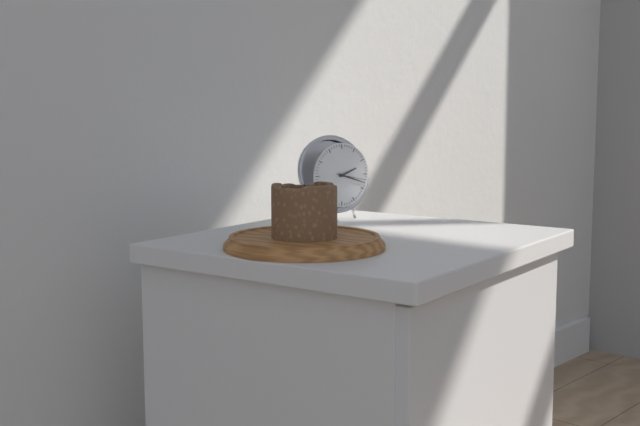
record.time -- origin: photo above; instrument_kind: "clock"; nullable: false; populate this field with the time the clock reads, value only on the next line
2:18
